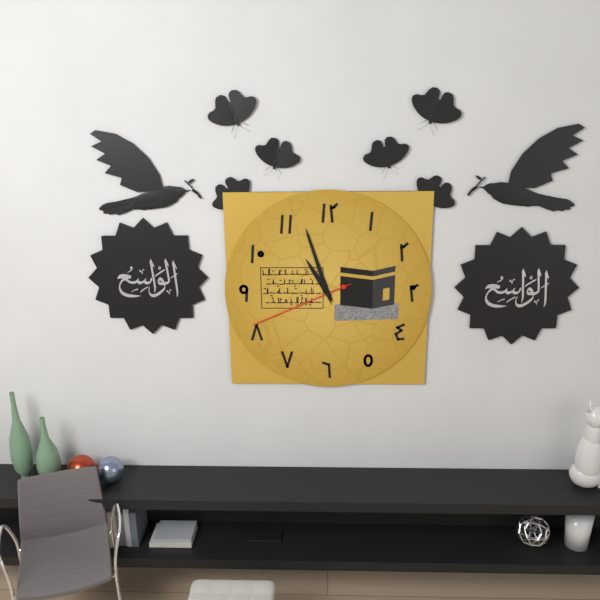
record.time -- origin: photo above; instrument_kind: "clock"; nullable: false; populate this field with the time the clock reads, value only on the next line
10:57:41
